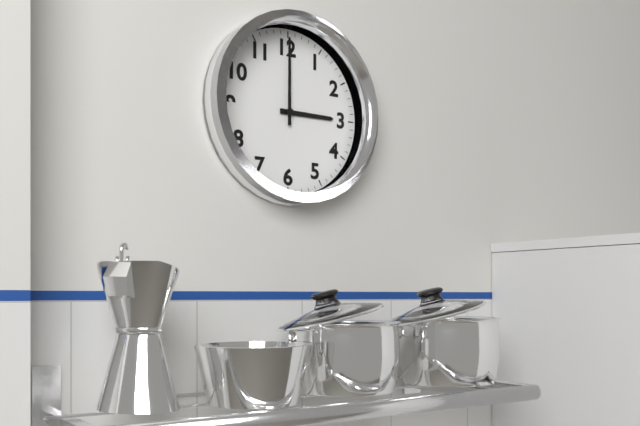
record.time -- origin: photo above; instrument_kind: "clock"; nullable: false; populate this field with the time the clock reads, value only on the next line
3:00
